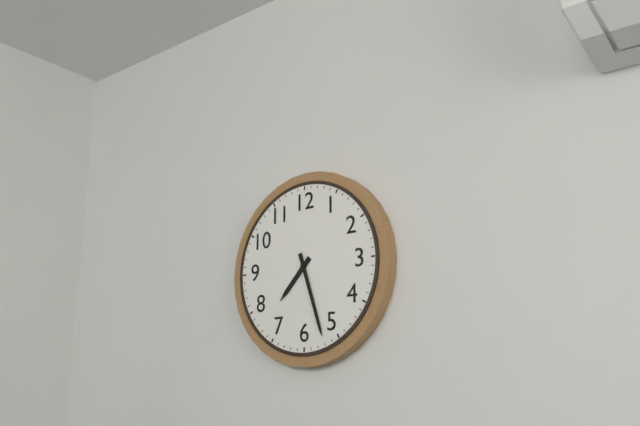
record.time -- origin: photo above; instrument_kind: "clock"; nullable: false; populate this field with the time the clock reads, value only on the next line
7:27
